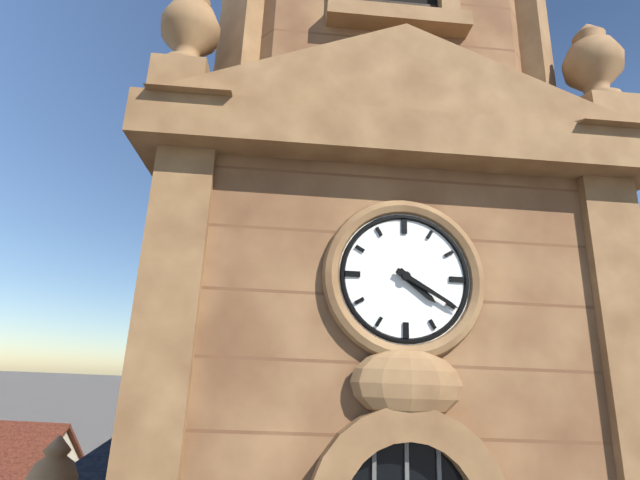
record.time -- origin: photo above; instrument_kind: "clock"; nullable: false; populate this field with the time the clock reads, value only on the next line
4:20
